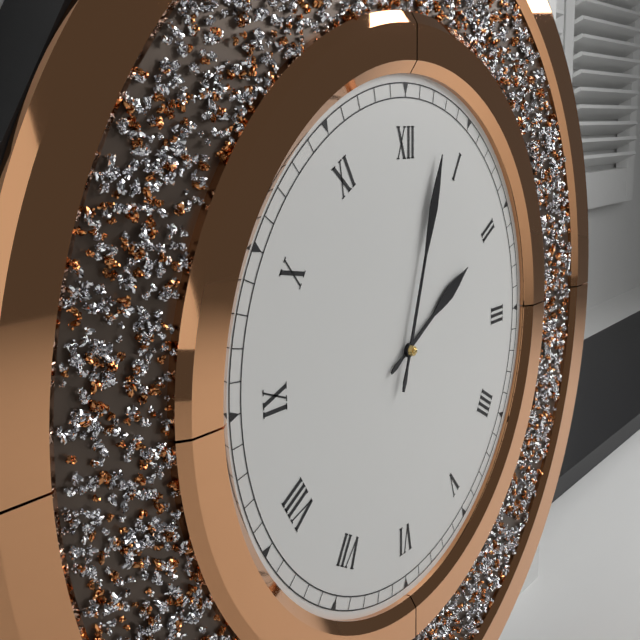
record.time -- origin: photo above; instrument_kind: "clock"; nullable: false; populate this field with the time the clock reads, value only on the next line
2:03
